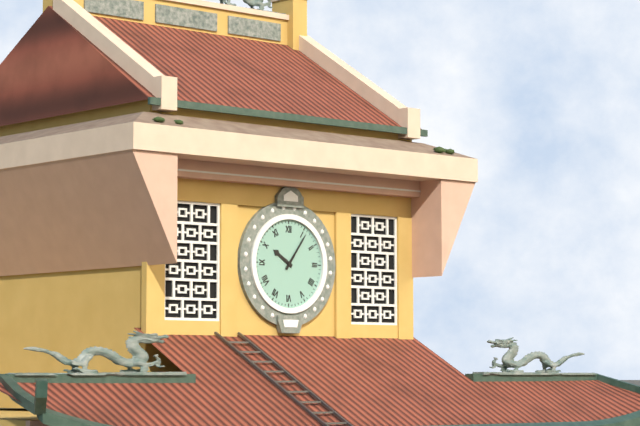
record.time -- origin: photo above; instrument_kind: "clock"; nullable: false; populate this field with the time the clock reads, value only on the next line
10:06
